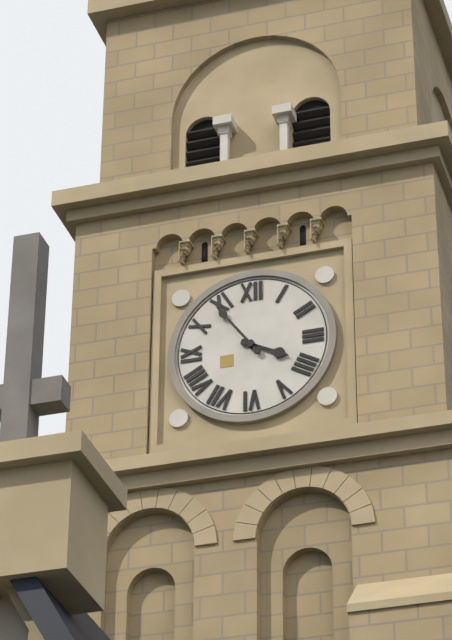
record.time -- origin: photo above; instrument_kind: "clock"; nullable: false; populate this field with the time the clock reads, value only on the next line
3:54
